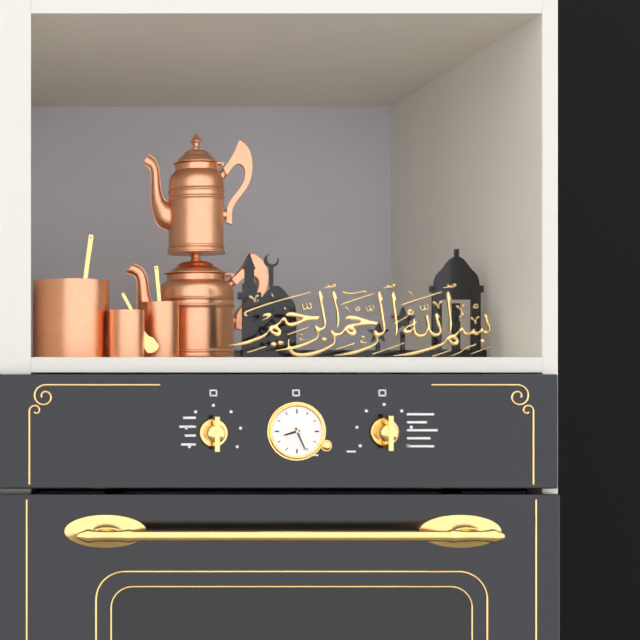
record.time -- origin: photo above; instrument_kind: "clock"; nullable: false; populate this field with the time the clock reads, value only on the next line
8:26
